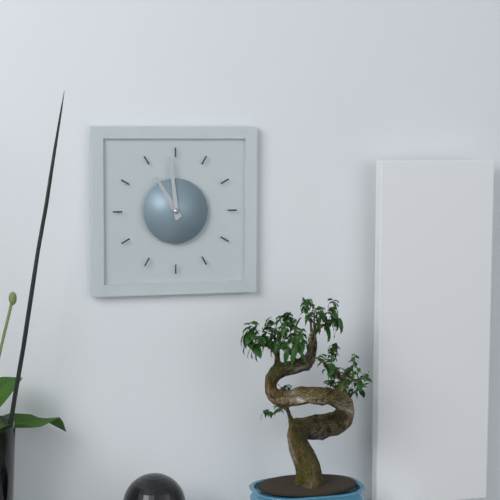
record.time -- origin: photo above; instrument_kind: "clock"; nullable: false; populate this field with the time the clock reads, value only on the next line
10:59
